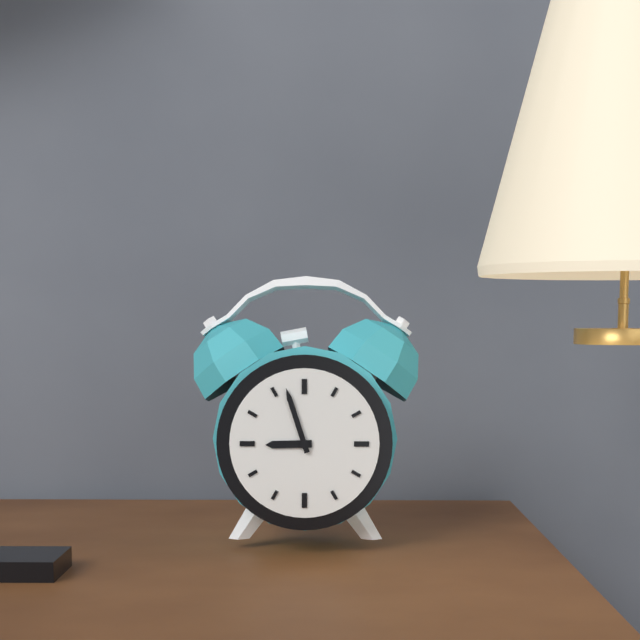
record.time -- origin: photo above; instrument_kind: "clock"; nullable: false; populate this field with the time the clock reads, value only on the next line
8:57
